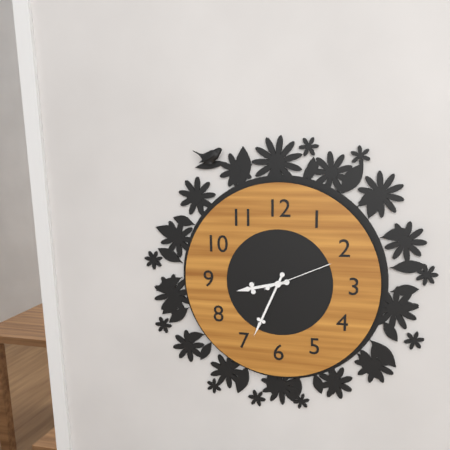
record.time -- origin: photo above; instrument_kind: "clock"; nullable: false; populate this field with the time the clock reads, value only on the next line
8:34:11
